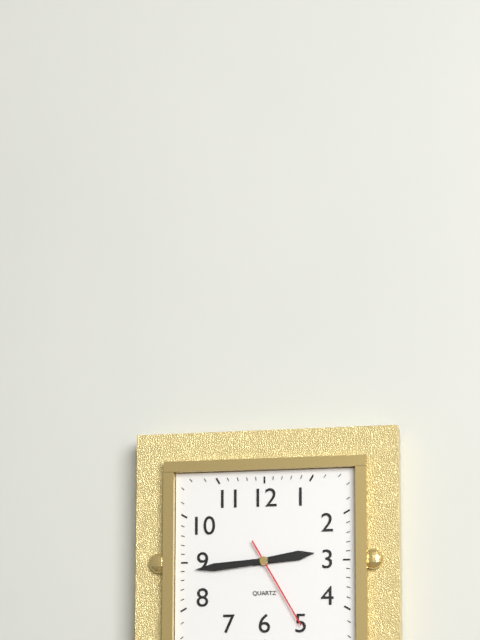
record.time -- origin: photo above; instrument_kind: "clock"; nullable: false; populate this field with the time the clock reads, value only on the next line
2:44:25
